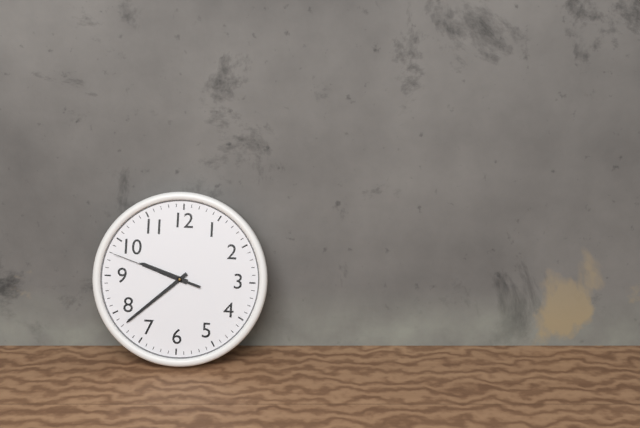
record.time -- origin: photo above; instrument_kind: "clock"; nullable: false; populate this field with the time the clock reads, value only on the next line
9:38:48
